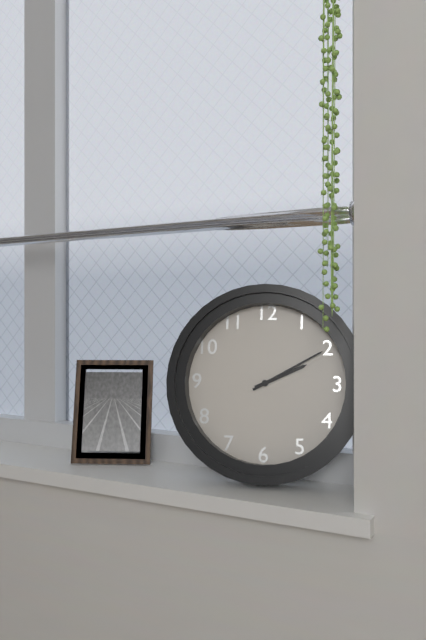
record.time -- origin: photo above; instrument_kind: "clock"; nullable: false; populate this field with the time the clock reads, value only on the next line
2:10
